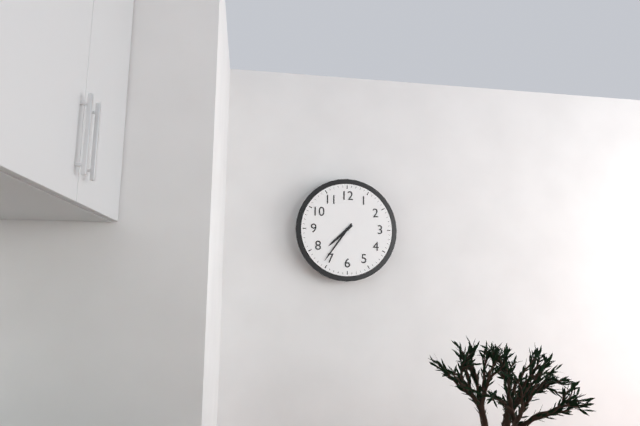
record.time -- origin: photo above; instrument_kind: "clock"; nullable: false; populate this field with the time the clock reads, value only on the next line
7:36
